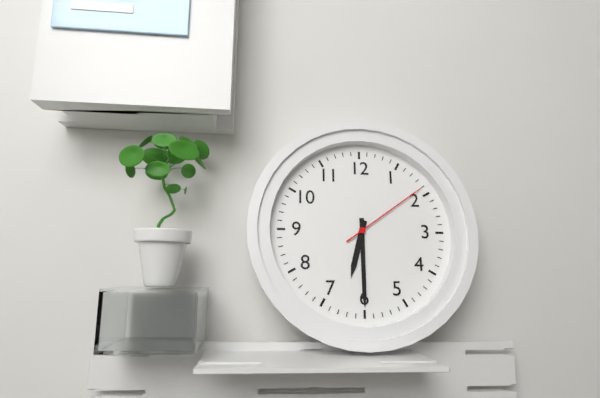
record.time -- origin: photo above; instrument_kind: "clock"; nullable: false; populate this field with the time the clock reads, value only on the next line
6:30:09
